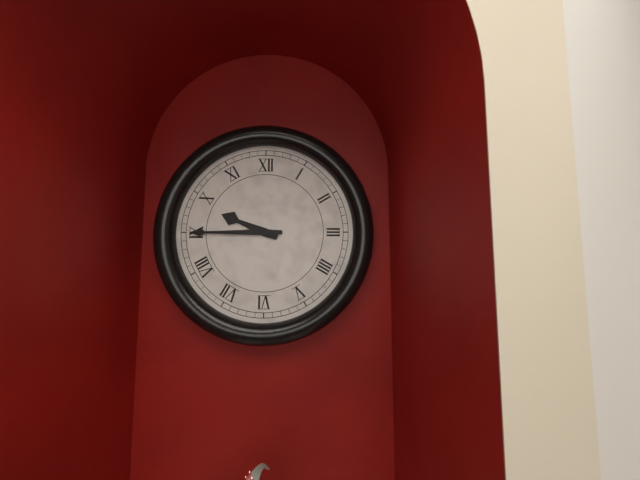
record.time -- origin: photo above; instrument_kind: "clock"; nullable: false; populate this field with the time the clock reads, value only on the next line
9:45
